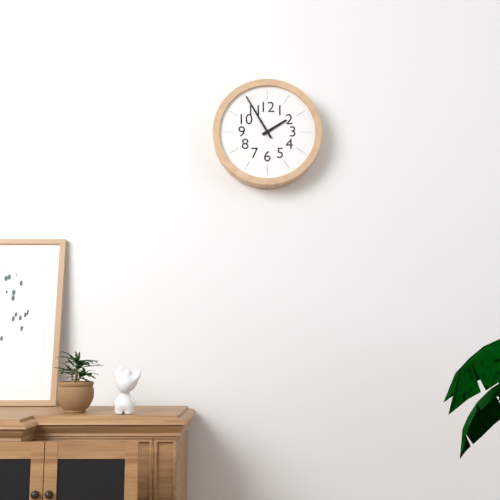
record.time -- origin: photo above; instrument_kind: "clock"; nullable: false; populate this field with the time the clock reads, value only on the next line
1:55
